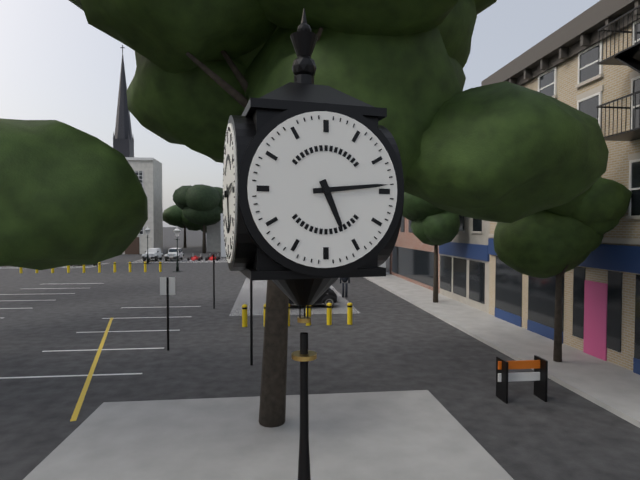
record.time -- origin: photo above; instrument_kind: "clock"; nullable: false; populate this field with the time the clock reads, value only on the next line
5:14
